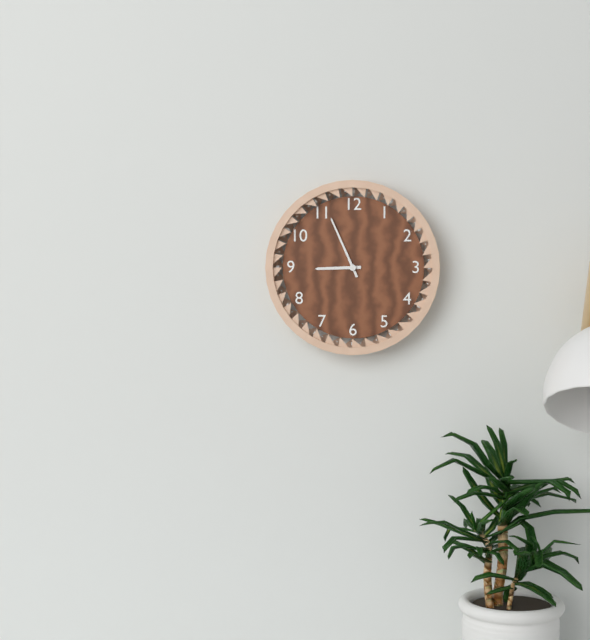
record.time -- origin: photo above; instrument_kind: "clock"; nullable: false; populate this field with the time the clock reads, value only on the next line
8:56
